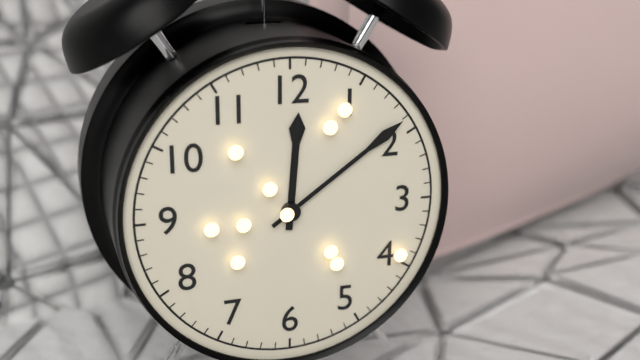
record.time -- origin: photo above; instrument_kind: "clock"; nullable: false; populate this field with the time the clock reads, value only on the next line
12:09
